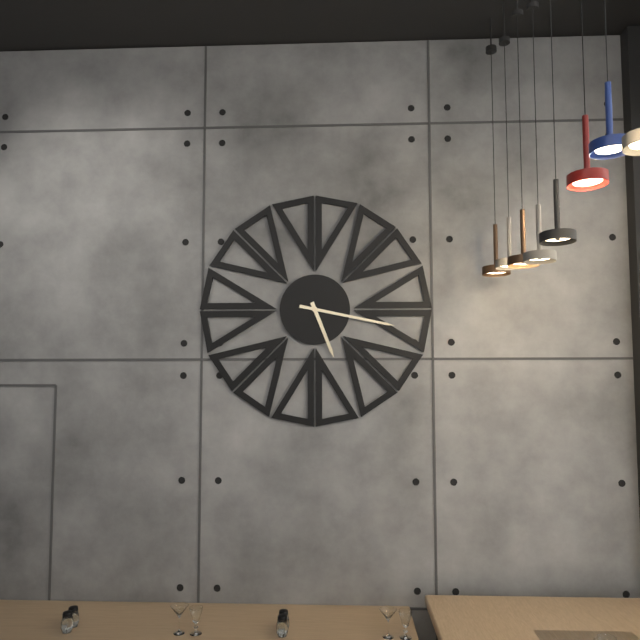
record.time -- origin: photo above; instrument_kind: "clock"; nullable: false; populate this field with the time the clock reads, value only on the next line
5:17
